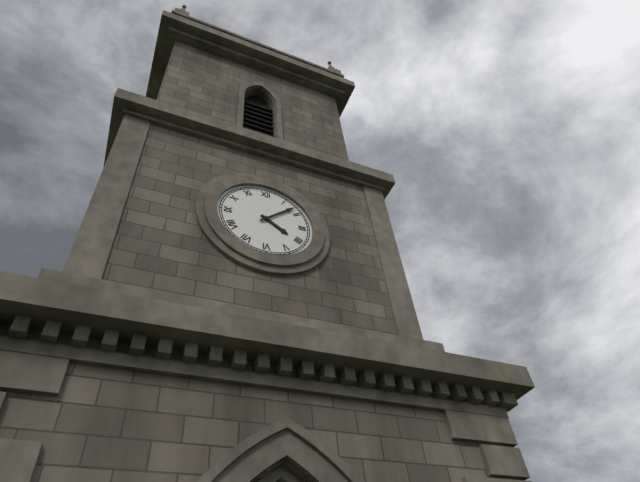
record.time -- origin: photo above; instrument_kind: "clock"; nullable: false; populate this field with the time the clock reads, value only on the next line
4:08
